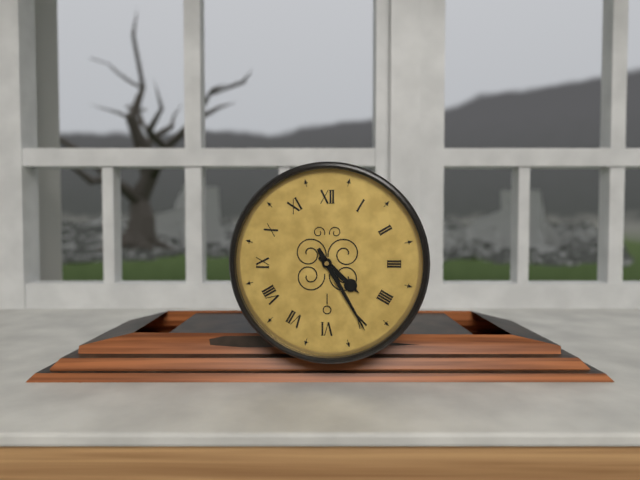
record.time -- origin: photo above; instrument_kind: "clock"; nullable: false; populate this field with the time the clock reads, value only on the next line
4:25
